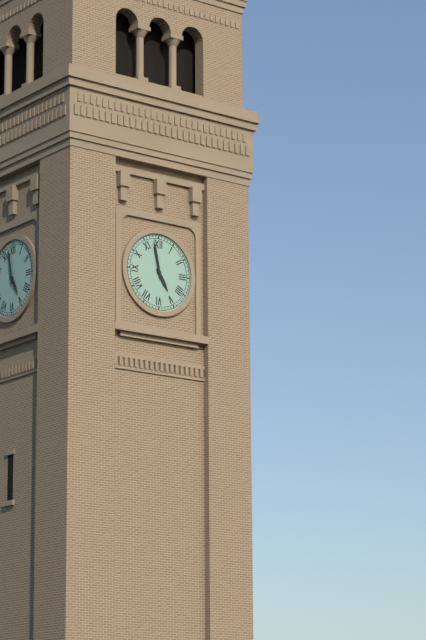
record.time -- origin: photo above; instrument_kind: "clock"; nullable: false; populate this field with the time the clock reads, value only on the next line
4:58
